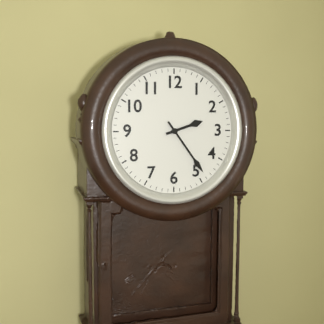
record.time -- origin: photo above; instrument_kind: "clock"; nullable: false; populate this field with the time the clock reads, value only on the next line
2:24
